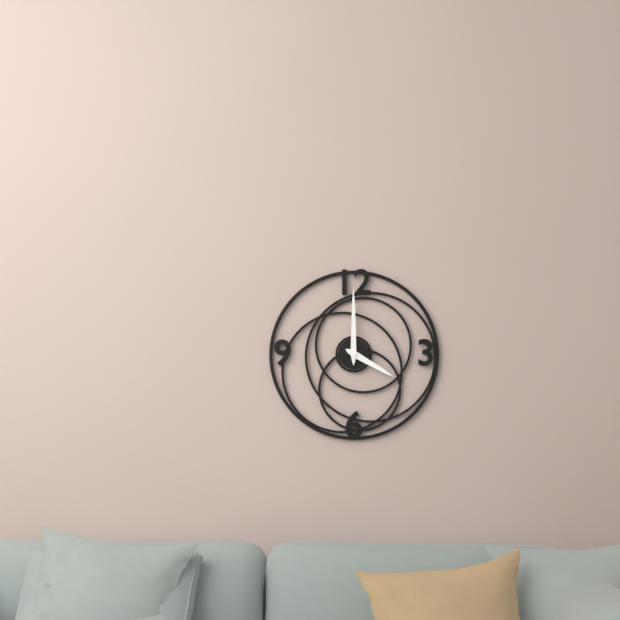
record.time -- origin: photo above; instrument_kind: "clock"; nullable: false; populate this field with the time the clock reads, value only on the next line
4:00
